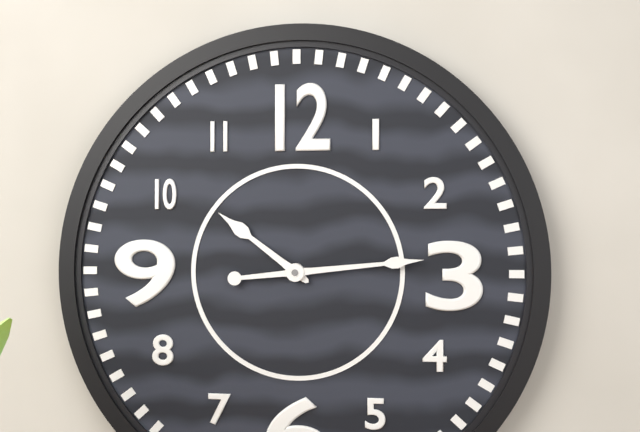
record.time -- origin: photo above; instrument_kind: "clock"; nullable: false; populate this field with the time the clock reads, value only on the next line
10:14
